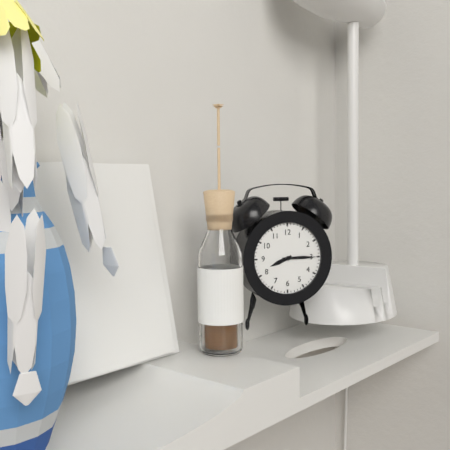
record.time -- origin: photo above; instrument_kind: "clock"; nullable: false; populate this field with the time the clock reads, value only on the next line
8:15
